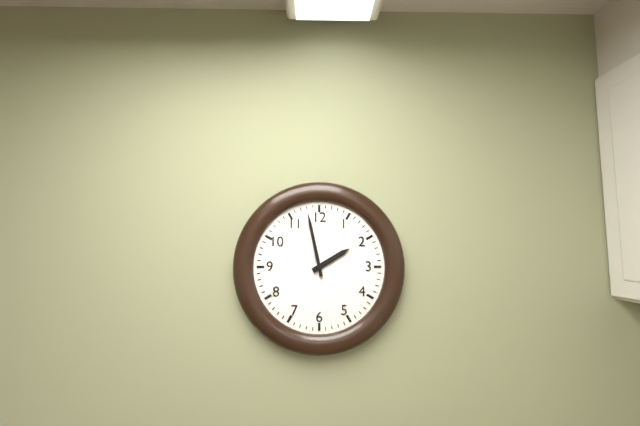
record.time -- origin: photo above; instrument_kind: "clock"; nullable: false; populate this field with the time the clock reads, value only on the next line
1:58
